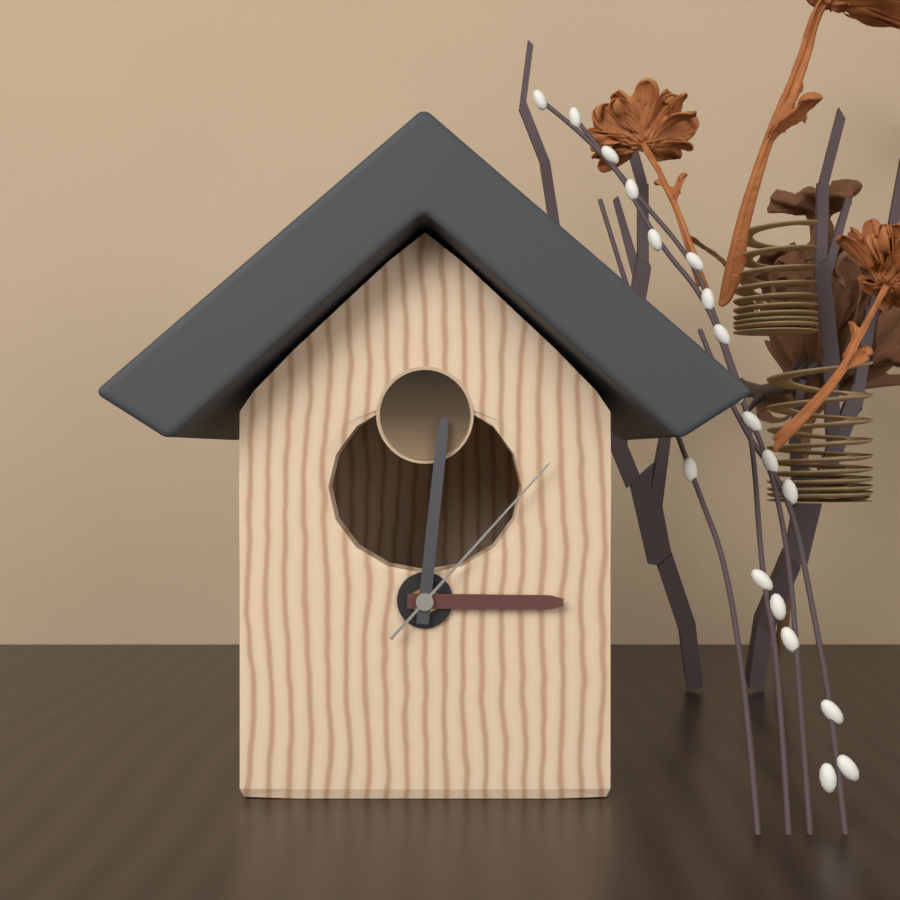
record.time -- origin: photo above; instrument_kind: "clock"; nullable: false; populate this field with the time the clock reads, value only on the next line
3:01:07
